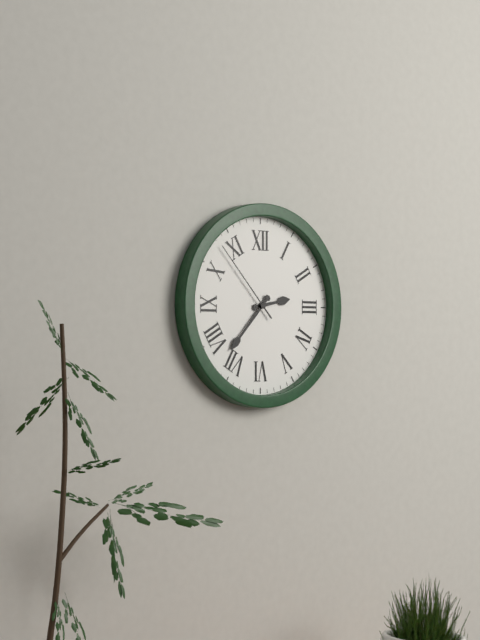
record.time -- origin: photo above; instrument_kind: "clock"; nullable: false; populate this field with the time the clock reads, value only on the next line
2:37:53
